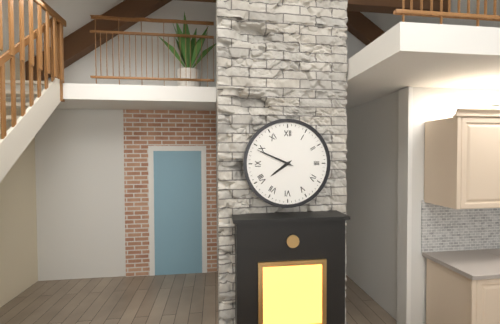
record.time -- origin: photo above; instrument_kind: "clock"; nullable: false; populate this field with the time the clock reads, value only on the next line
7:49
